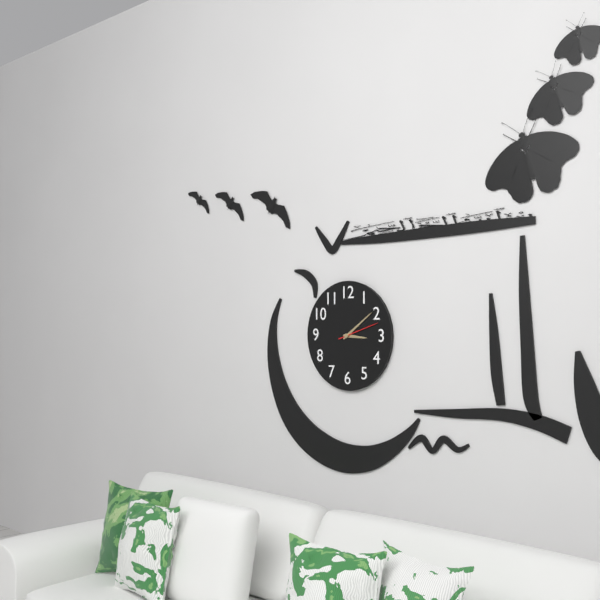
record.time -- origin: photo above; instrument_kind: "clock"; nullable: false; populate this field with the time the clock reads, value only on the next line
3:09
